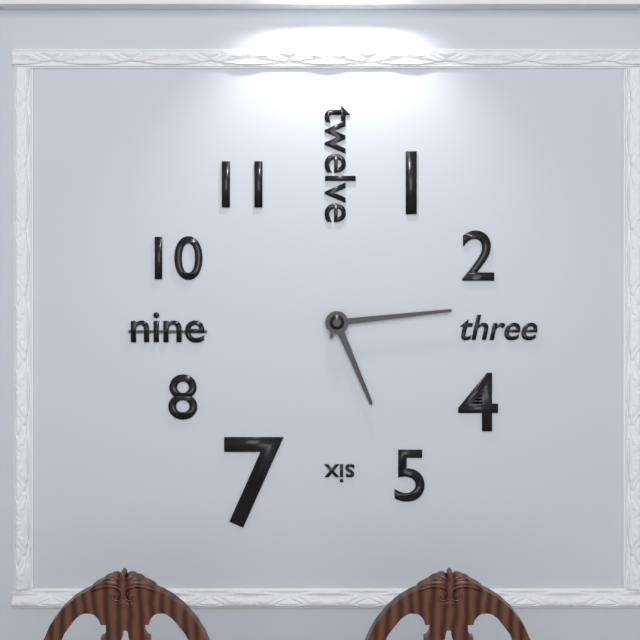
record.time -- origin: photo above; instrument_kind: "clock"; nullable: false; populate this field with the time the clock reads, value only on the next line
5:14
